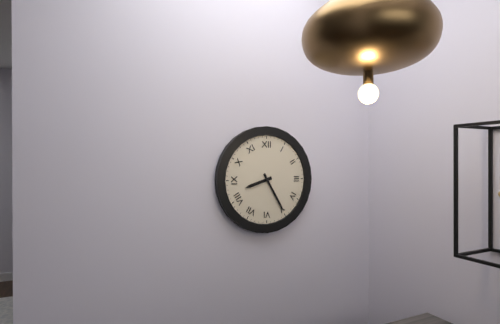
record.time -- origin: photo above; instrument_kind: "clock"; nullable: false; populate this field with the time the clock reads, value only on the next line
8:25
